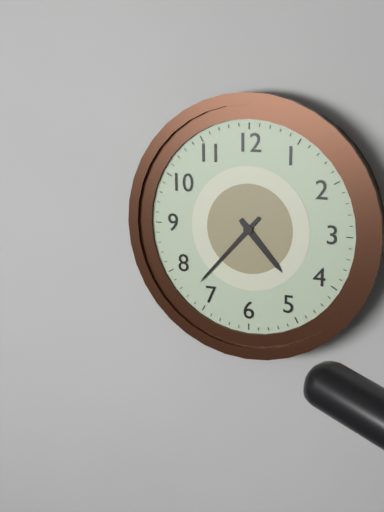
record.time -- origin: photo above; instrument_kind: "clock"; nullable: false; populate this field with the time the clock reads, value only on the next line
4:37
